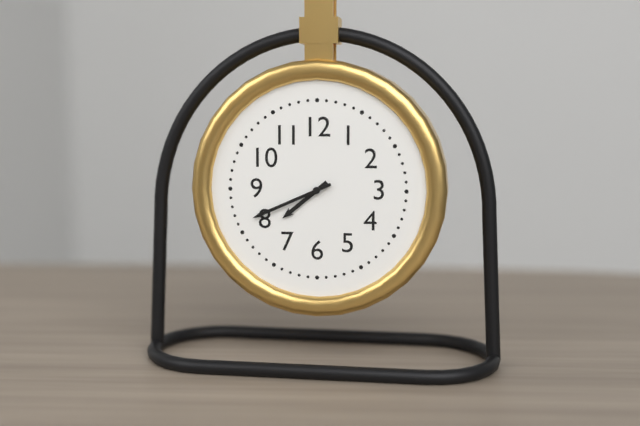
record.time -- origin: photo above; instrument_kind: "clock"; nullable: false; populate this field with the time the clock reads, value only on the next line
7:41
